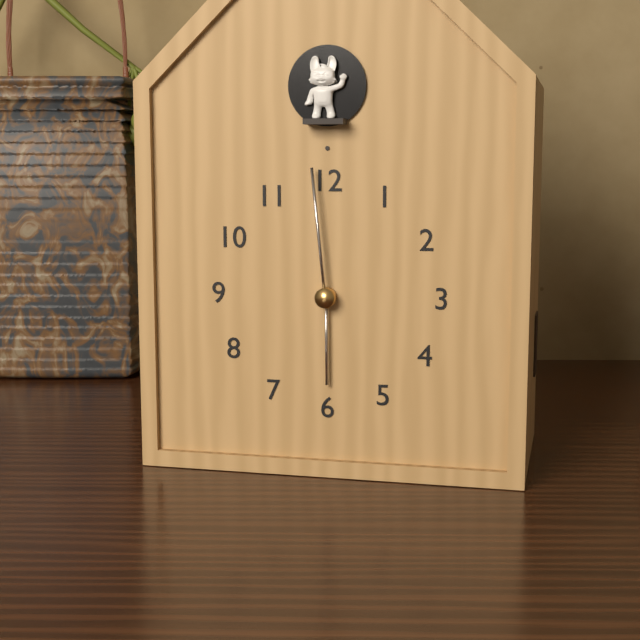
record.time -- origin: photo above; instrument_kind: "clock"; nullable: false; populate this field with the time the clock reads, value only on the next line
5:59
